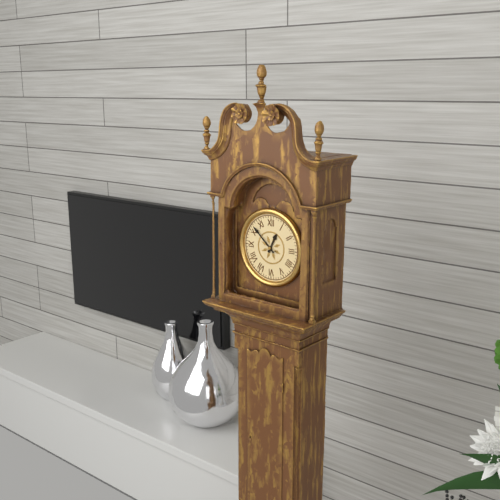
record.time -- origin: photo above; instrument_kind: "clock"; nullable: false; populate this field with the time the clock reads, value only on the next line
12:52
